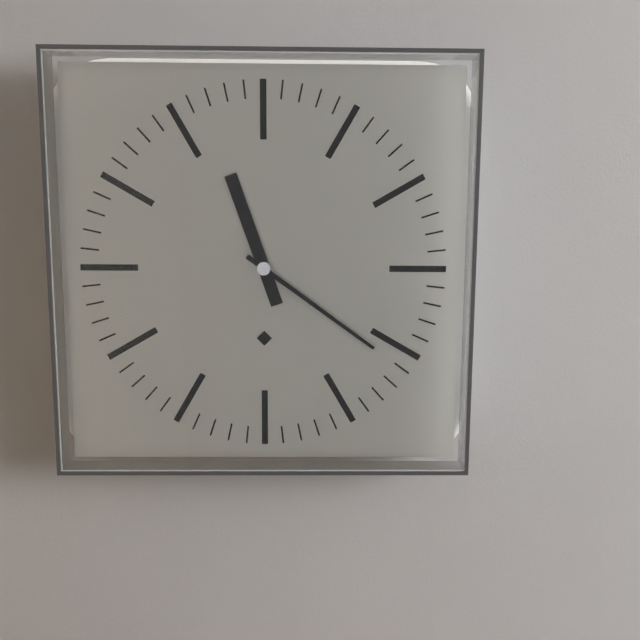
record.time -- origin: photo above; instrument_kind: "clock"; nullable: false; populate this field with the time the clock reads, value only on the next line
11:21
